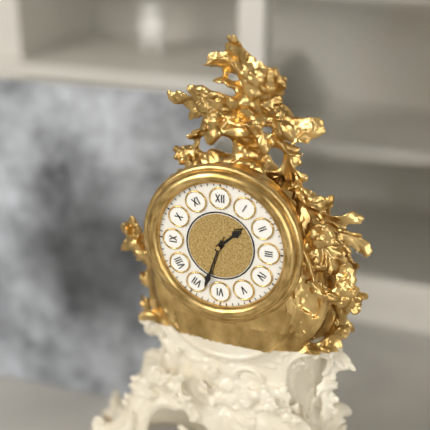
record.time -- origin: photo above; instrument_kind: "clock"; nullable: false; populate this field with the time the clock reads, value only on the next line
1:33
